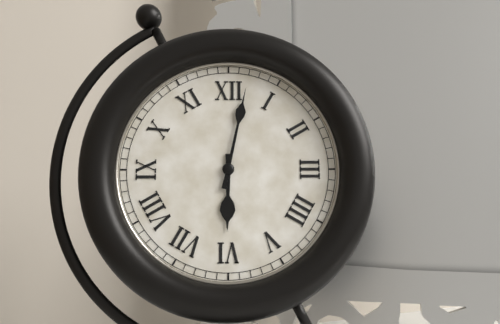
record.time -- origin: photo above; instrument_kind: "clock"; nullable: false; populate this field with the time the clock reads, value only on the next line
6:02
